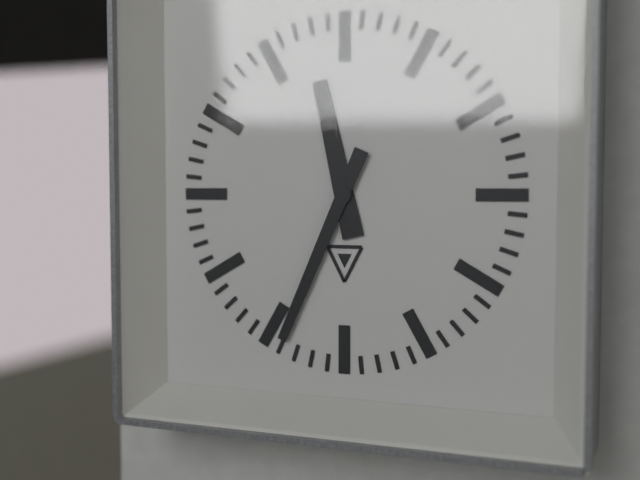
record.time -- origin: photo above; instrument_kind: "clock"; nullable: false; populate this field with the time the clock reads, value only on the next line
11:34
